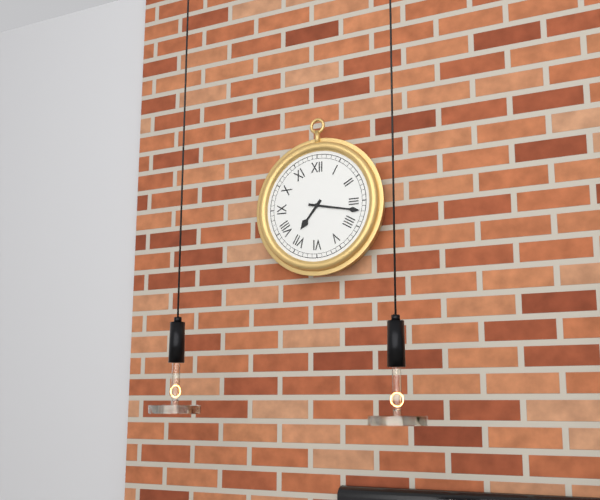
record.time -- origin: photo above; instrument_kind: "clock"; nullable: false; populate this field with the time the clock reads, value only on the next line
7:17
